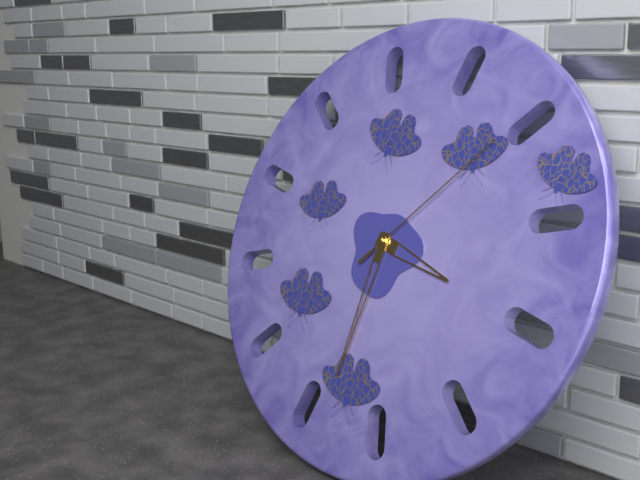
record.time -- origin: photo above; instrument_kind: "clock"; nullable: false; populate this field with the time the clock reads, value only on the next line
3:31:07
